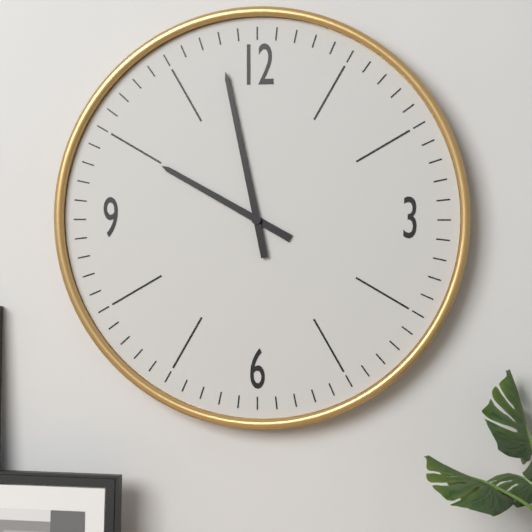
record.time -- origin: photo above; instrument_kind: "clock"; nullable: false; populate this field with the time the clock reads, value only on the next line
9:58
